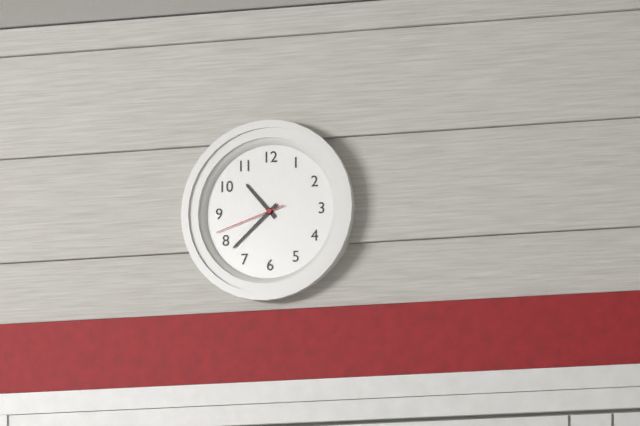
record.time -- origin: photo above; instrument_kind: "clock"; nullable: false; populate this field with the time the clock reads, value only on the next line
10:38:42
